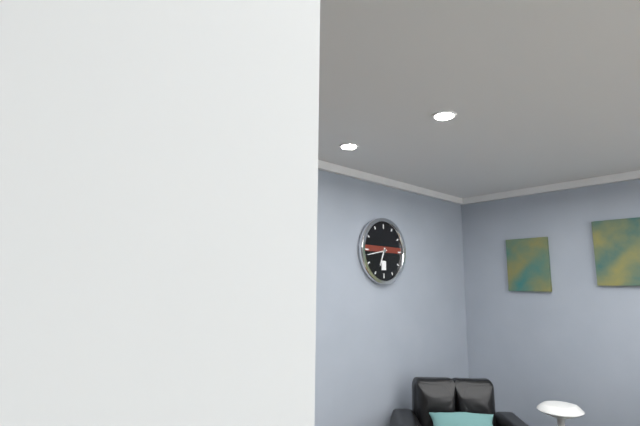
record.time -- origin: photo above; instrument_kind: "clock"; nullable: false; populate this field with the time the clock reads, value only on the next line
6:43
